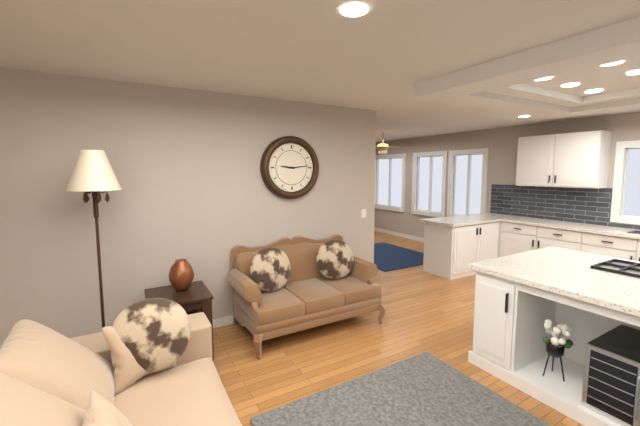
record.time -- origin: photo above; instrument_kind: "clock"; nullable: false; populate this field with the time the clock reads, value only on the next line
9:14
